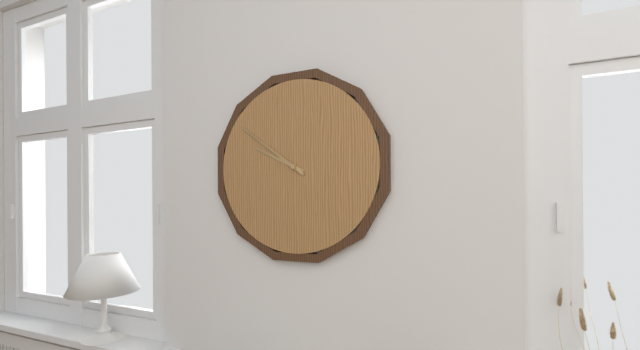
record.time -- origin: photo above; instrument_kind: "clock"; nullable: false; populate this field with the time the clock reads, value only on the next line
9:51
